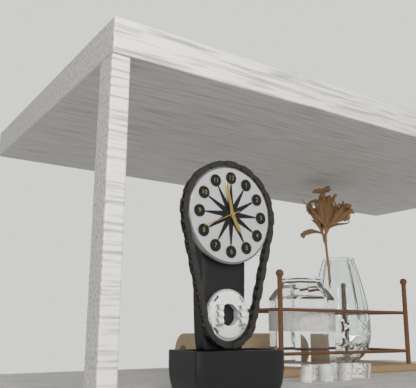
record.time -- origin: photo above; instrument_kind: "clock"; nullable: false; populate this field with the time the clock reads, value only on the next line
4:58
